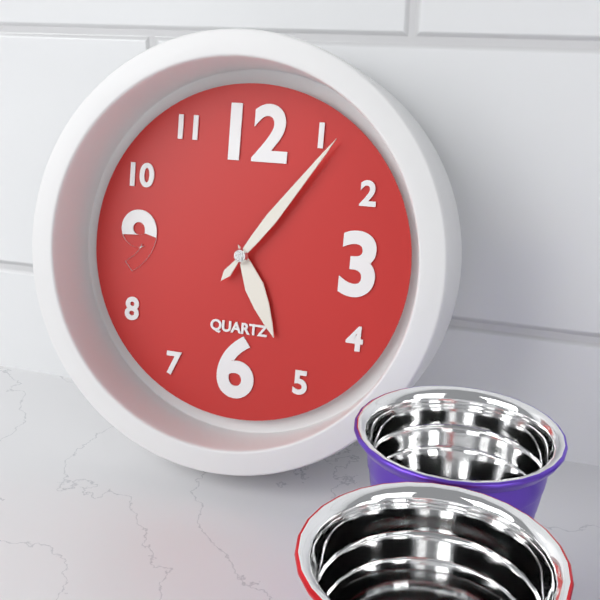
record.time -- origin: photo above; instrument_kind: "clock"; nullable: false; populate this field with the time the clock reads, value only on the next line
5:06
